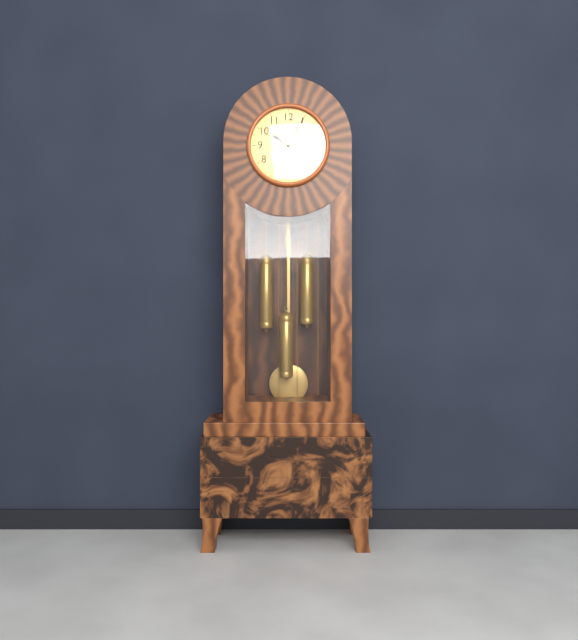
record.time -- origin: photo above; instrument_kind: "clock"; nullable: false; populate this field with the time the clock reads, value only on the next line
10:05
